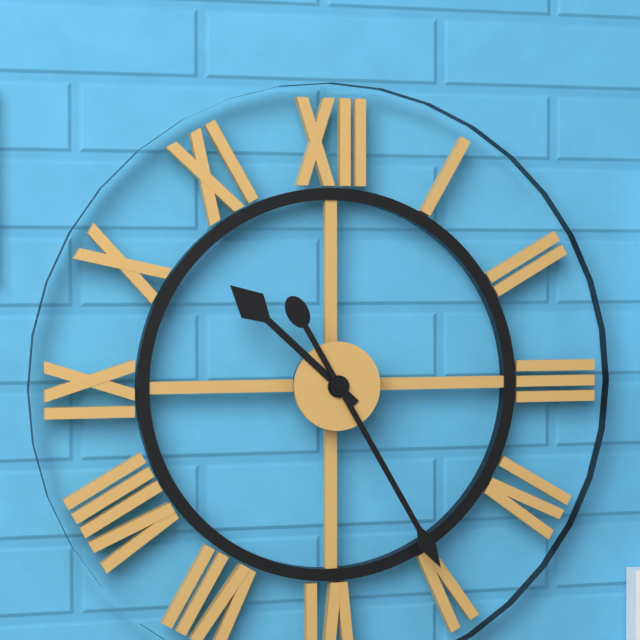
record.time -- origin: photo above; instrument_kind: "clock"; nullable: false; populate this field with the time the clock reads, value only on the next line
10:25
